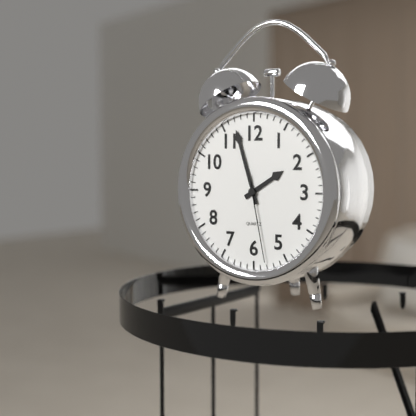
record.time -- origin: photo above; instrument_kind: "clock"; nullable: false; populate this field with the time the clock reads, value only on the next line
1:57:28
